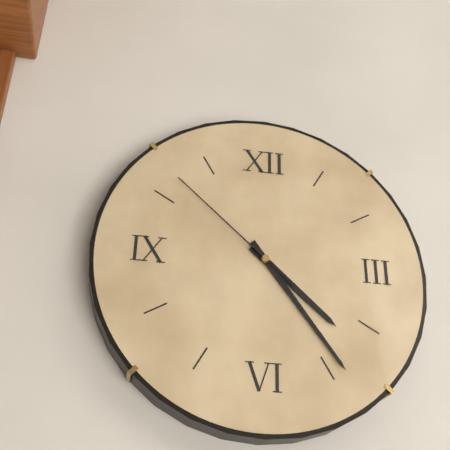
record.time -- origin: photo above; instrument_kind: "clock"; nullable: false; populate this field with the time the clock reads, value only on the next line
4:24:52
